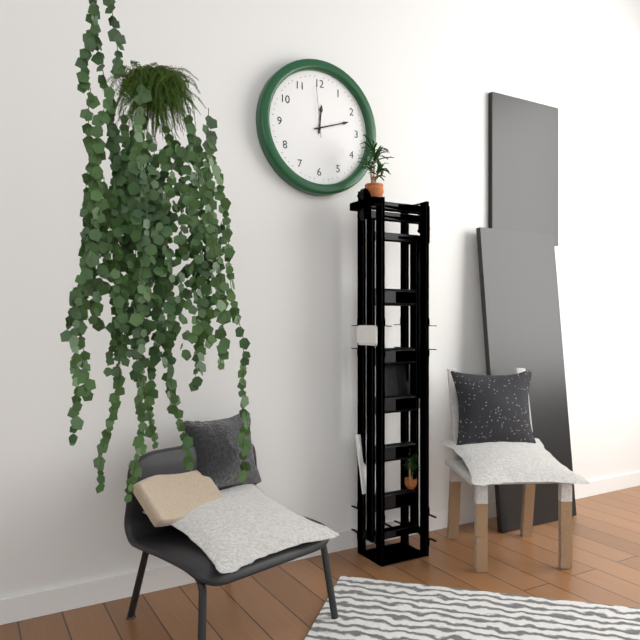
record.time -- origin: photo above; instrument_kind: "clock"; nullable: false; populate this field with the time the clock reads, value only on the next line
12:12:59
